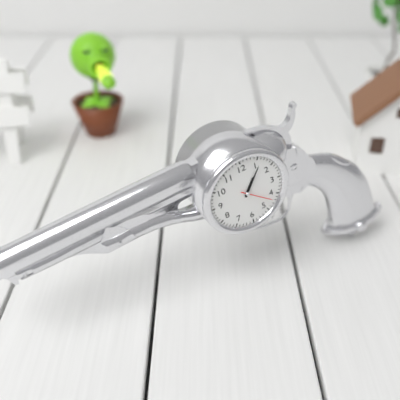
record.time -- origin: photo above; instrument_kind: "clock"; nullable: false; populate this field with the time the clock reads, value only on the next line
1:06
